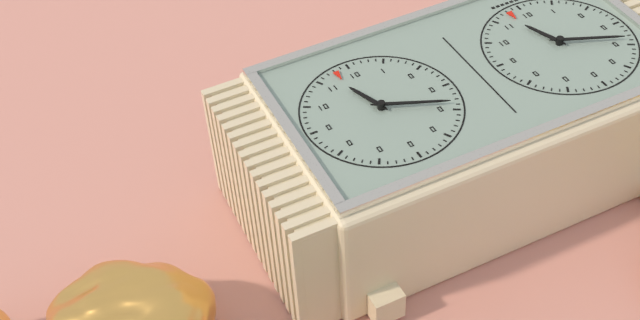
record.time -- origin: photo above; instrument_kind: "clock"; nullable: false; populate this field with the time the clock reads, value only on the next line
11:19
